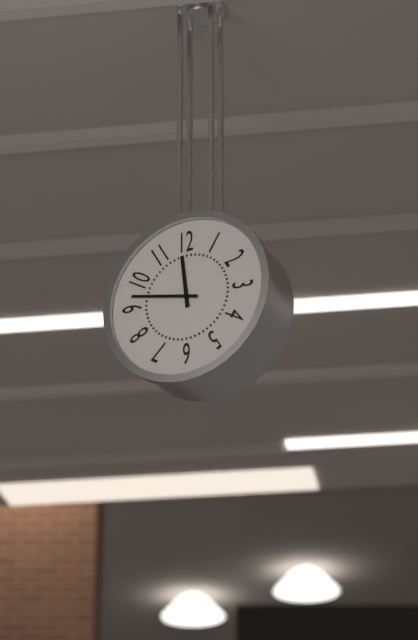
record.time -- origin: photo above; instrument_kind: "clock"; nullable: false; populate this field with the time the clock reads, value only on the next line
11:47
